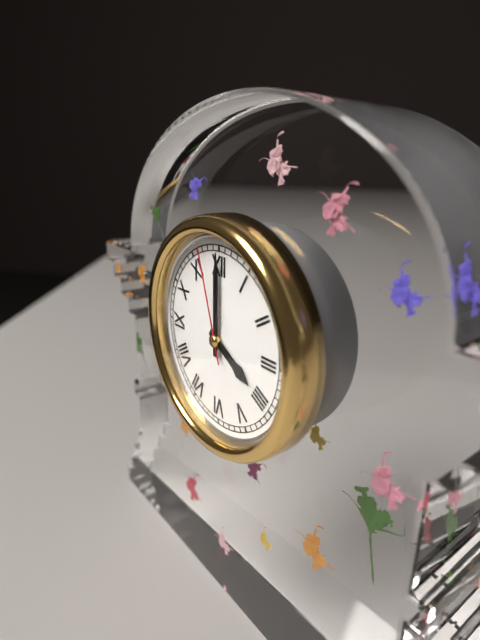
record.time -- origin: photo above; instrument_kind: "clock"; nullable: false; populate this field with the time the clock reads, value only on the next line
4:00:57
